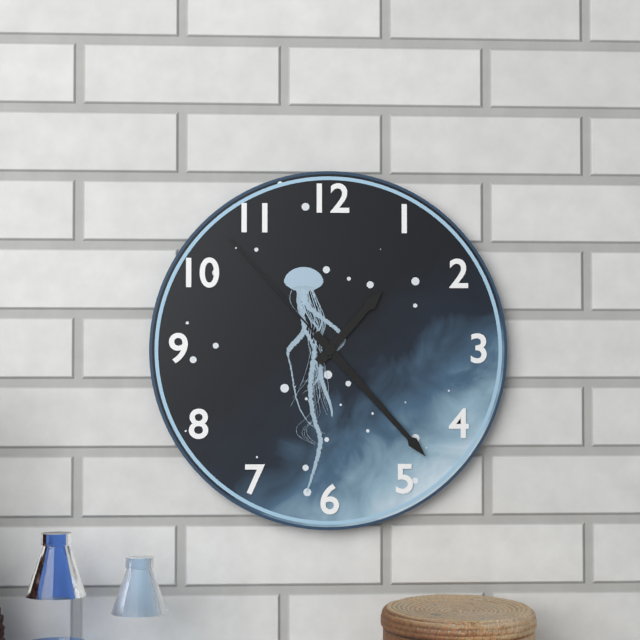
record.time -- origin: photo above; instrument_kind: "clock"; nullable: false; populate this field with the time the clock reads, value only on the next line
1:23:53
